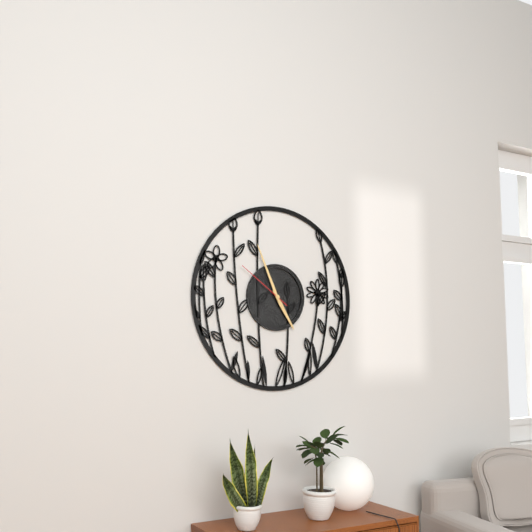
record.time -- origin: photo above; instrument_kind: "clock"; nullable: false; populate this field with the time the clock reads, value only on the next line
4:56:51
